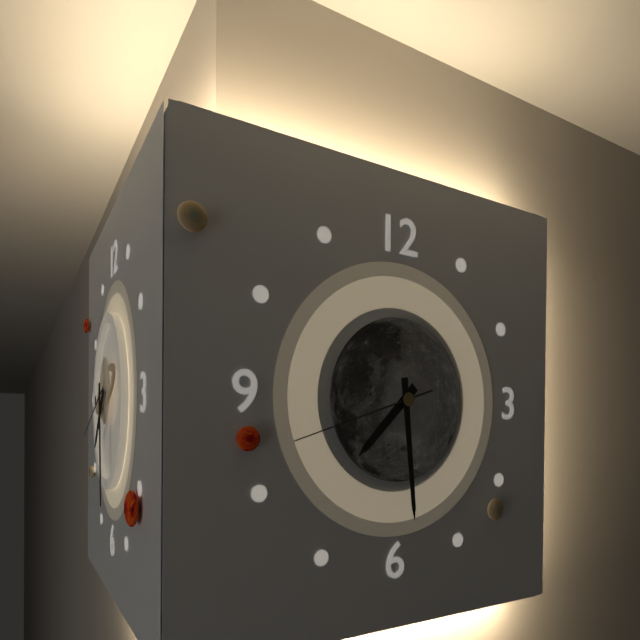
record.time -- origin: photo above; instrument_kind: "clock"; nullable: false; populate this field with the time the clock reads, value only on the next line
7:29:42
